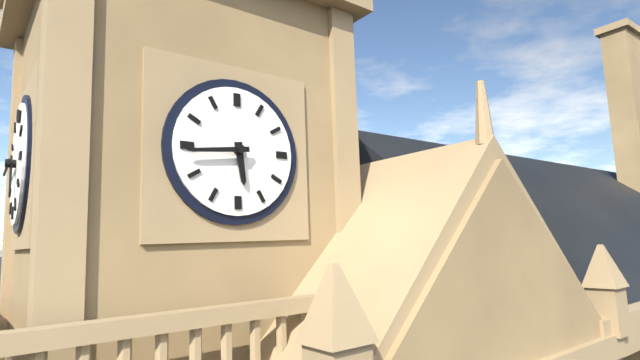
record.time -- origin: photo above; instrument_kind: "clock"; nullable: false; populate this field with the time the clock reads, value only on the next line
5:44
